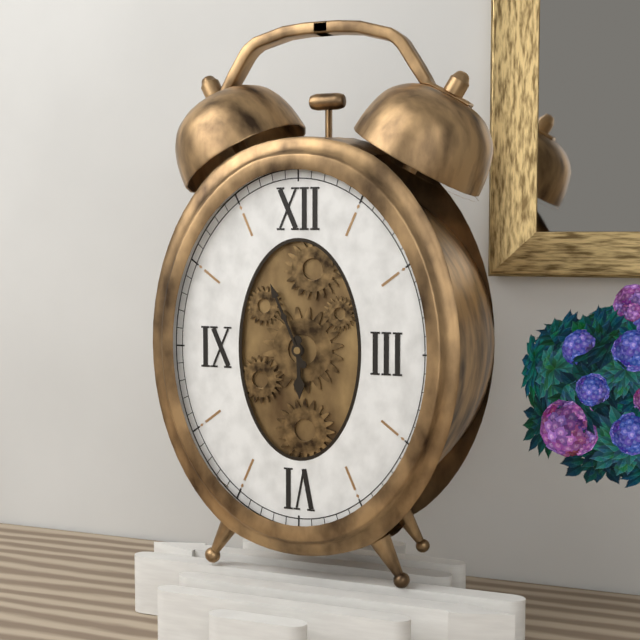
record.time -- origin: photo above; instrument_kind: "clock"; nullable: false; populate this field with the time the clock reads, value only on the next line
5:56
